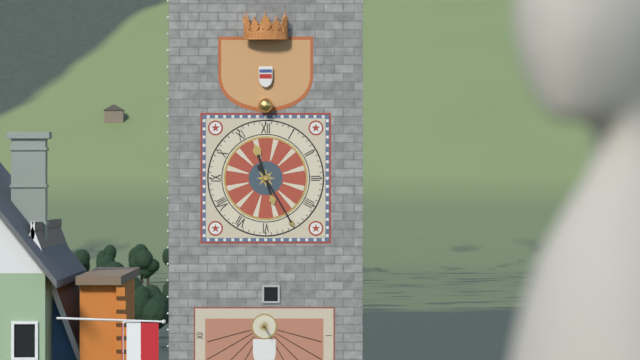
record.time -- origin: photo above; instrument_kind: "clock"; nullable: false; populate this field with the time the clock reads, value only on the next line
11:25
